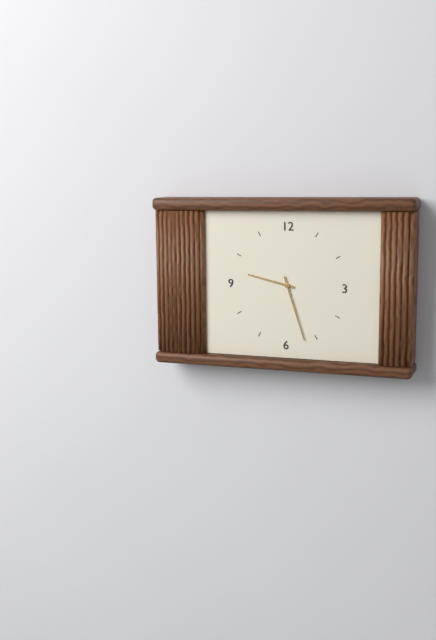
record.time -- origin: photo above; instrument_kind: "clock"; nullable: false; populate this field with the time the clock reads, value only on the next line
9:27
